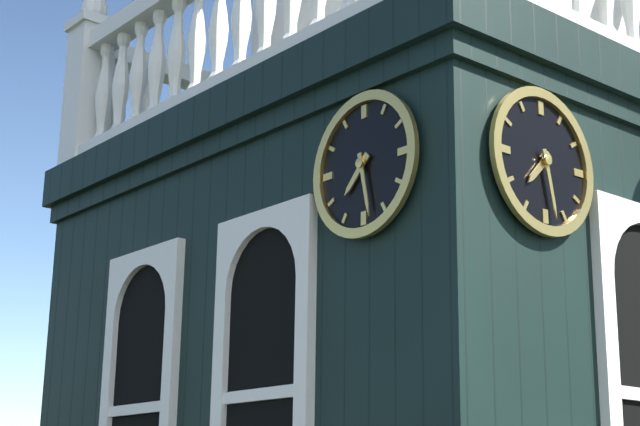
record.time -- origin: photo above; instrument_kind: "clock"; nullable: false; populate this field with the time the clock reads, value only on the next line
7:28
